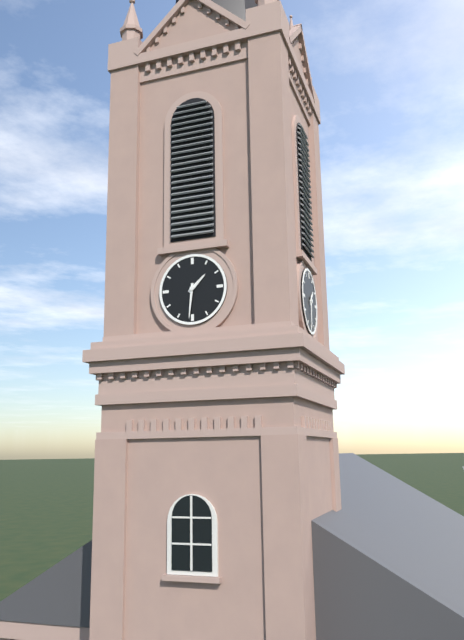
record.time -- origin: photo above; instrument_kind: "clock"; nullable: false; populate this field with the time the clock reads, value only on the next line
1:31
